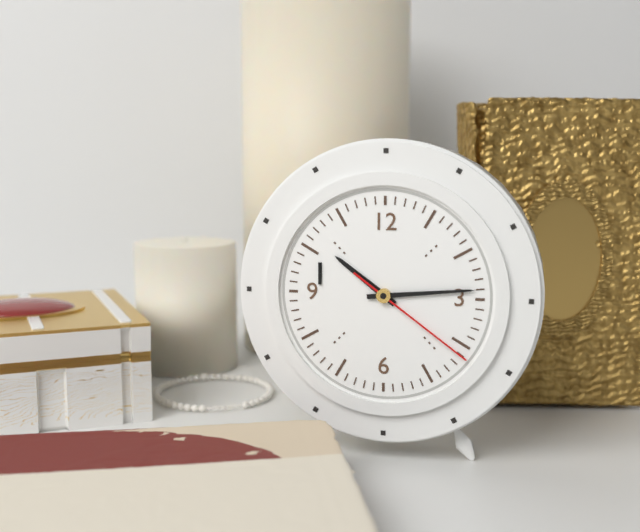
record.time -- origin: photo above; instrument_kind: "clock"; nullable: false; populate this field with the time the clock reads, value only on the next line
10:14:21
